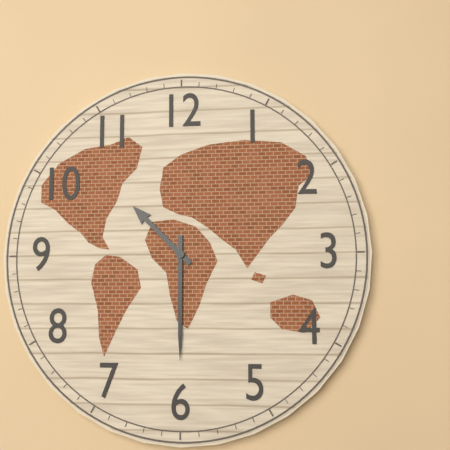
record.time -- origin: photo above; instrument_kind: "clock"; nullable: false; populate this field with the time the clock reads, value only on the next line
10:30
